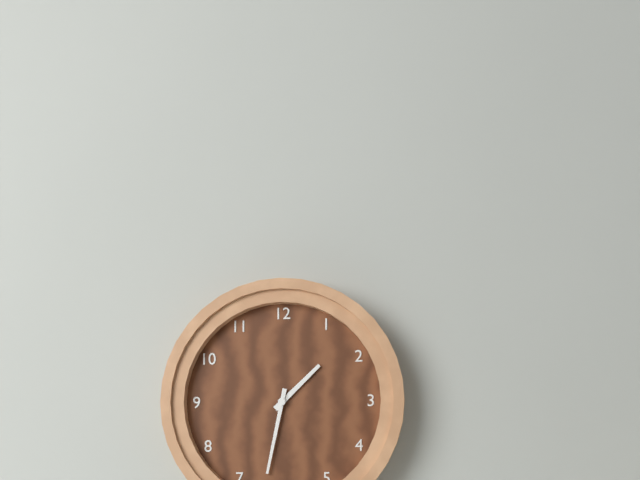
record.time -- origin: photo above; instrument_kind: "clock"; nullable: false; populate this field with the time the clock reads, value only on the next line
1:32
